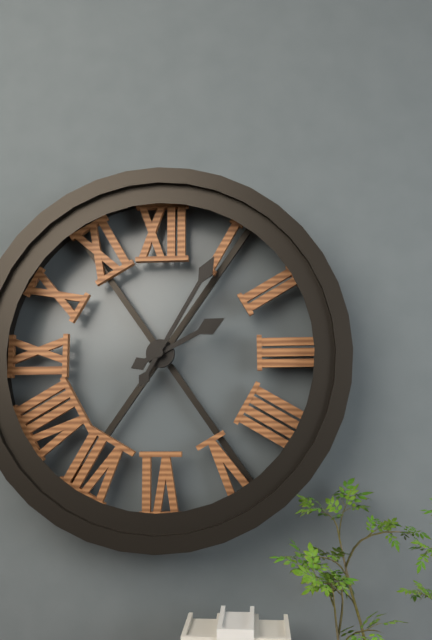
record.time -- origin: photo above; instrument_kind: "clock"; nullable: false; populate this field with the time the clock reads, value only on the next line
2:05
